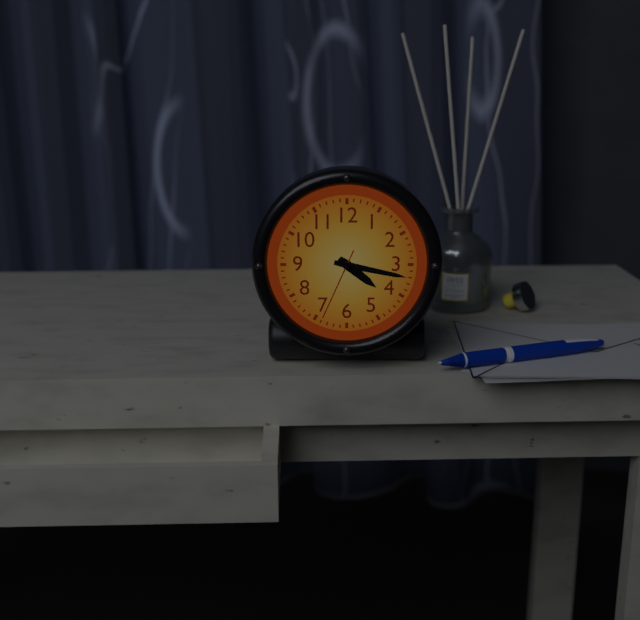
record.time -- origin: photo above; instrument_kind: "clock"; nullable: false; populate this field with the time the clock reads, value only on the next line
4:17:34
